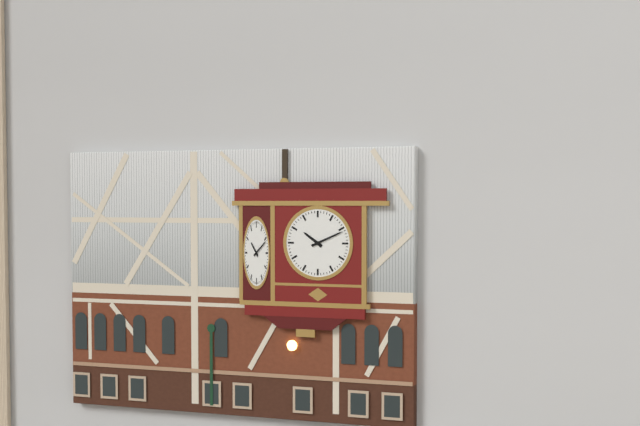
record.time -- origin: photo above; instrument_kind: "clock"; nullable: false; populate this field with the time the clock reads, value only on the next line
10:11
